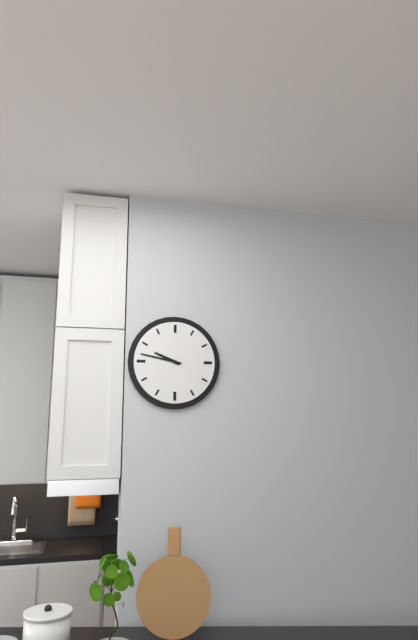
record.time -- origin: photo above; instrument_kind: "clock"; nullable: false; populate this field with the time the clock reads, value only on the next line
9:47
